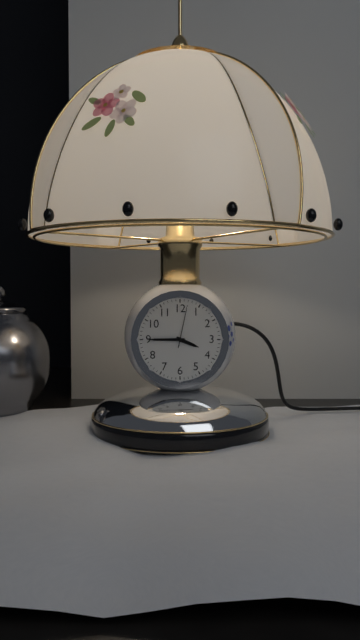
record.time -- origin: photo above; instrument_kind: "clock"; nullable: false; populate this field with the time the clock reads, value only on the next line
3:45
